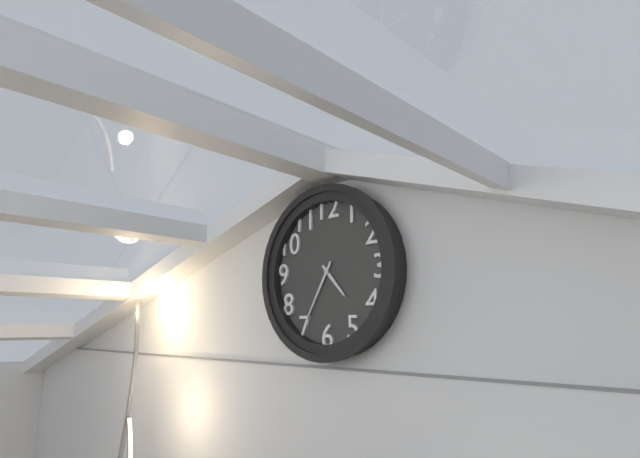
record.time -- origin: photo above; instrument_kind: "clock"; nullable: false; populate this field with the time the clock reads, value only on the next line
4:35
